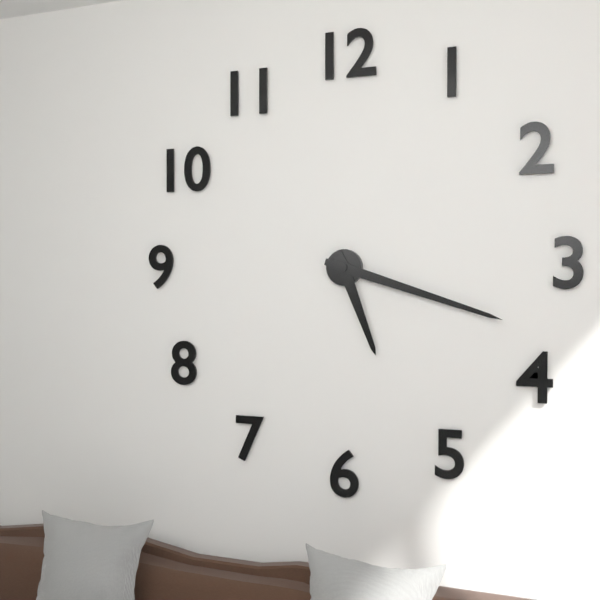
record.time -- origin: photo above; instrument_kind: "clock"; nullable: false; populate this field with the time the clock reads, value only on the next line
5:18
